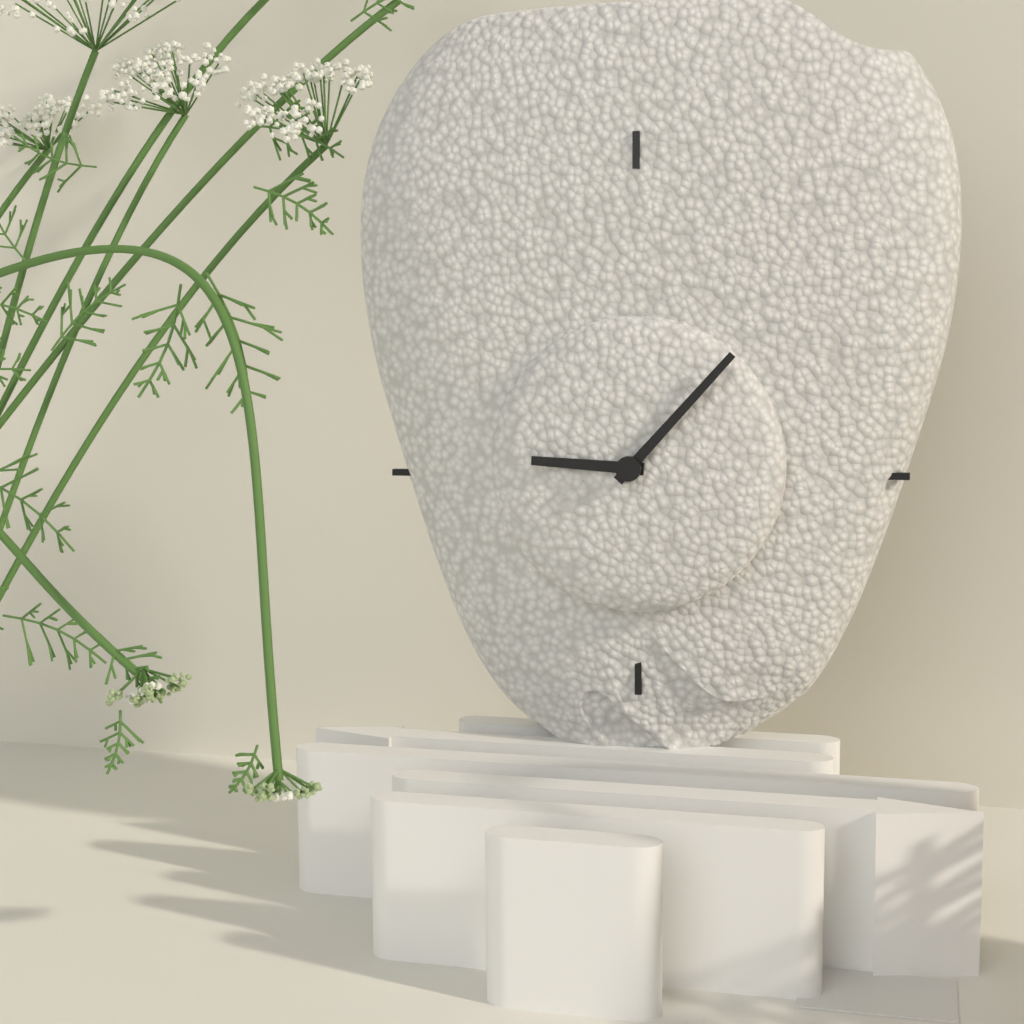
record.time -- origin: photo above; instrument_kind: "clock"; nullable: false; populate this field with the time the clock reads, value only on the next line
9:07
